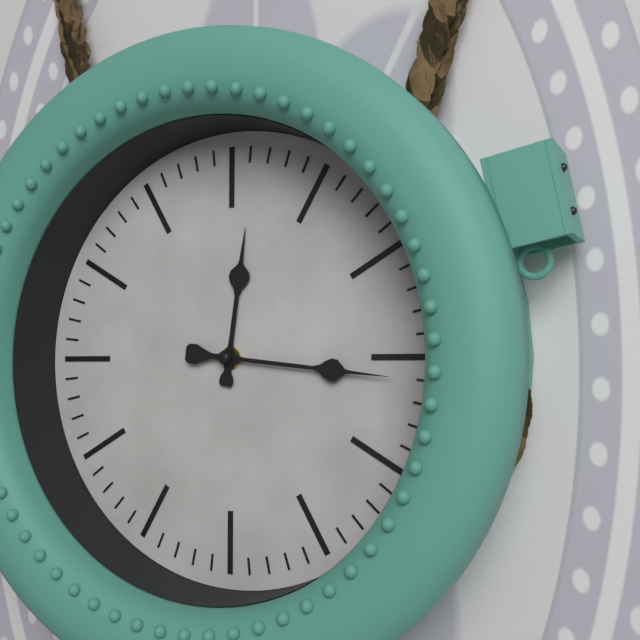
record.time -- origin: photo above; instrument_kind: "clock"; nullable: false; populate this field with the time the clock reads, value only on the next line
12:16
